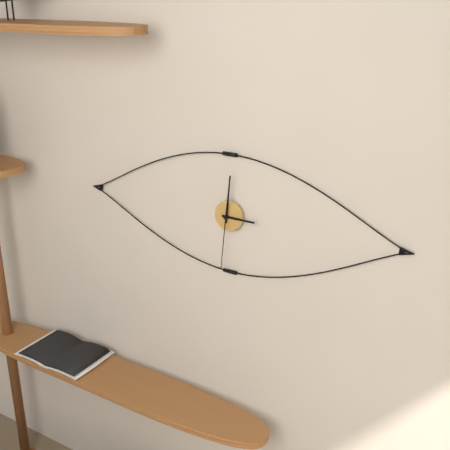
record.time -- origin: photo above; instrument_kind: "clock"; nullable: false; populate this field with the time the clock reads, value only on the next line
3:01:31
